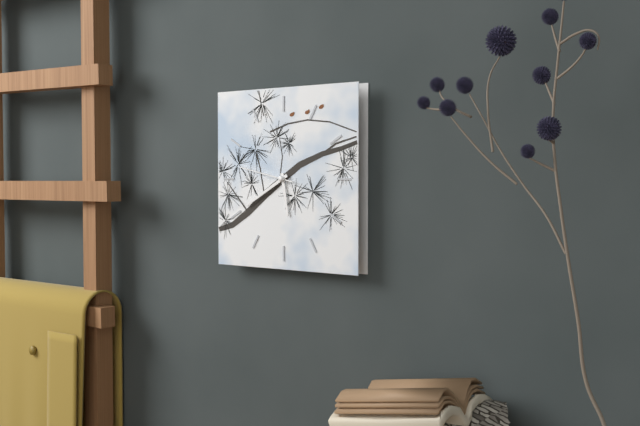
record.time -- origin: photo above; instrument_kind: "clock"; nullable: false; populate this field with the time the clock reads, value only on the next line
5:40:47
